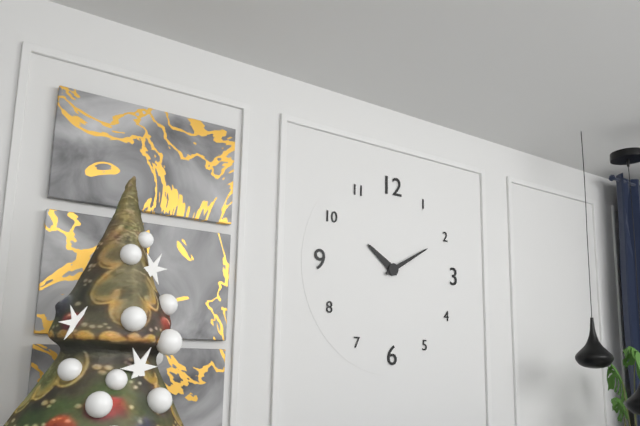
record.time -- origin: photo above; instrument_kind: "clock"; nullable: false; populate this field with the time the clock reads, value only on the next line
10:10
